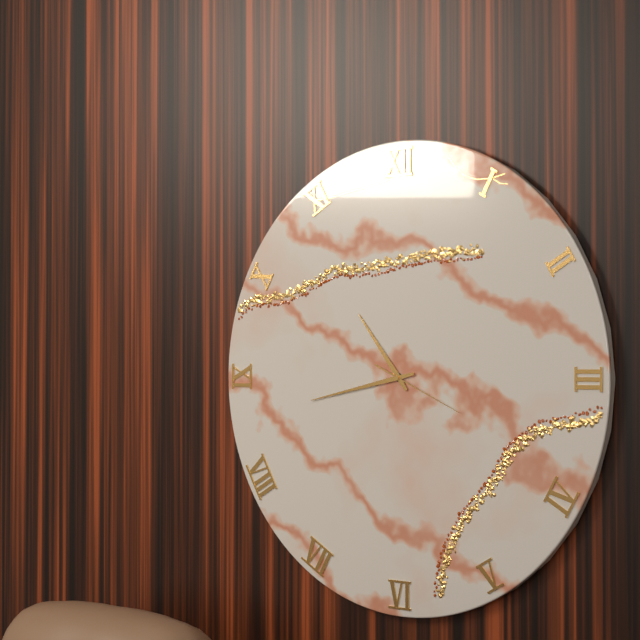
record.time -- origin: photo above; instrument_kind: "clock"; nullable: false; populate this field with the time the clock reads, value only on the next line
10:43:19
